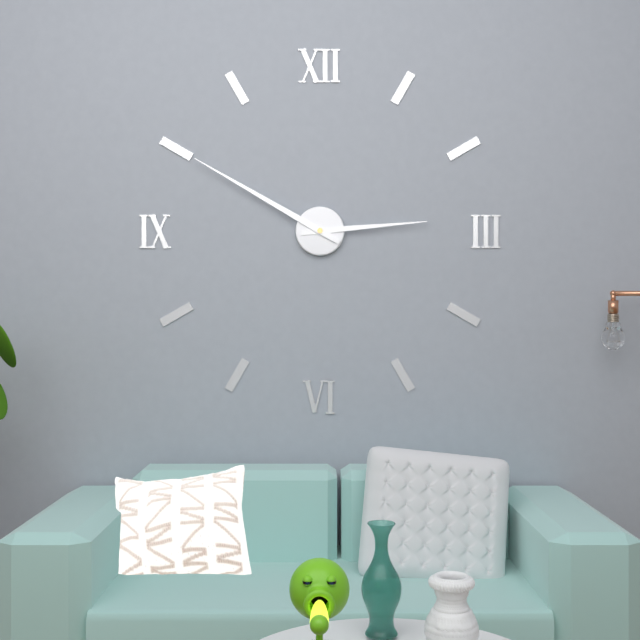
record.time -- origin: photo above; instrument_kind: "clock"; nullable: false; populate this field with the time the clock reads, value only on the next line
2:50
